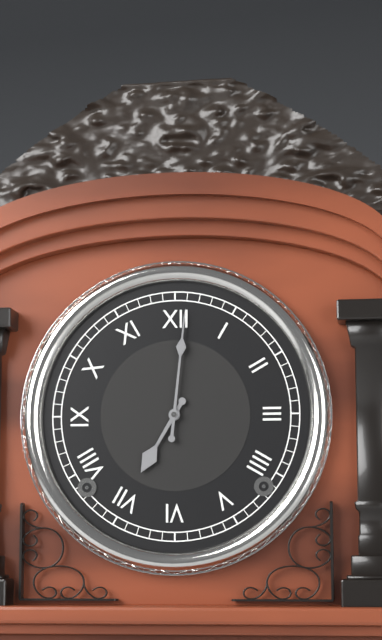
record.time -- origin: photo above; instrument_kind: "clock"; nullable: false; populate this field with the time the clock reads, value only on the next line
7:01
